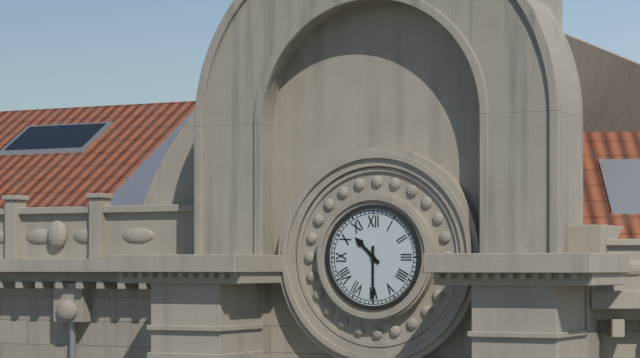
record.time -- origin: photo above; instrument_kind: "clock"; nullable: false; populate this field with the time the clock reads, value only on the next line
10:30
